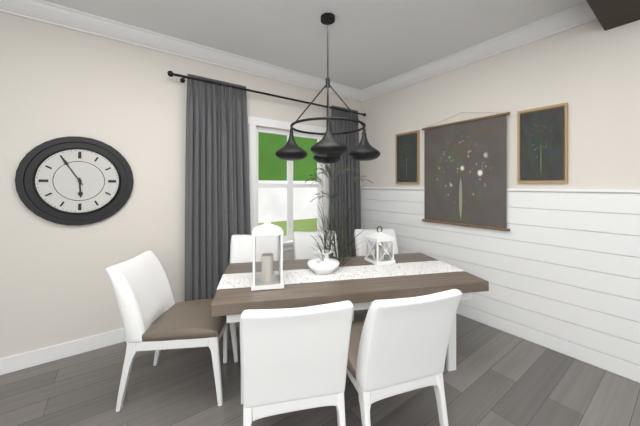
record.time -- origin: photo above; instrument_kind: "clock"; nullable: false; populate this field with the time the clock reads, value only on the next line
5:55
